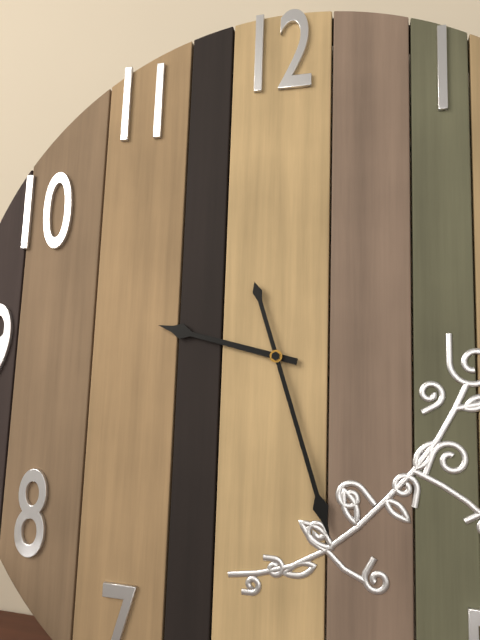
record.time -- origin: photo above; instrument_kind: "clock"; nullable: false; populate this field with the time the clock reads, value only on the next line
9:27
